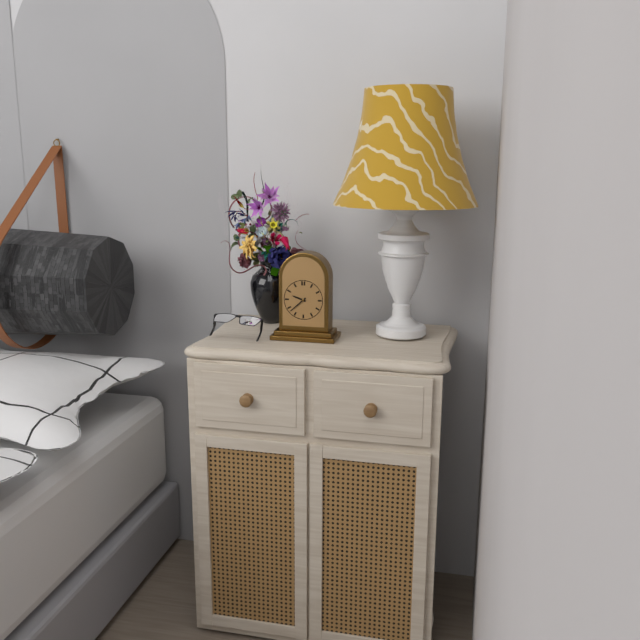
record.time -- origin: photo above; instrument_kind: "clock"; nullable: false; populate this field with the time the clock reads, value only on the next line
9:38
